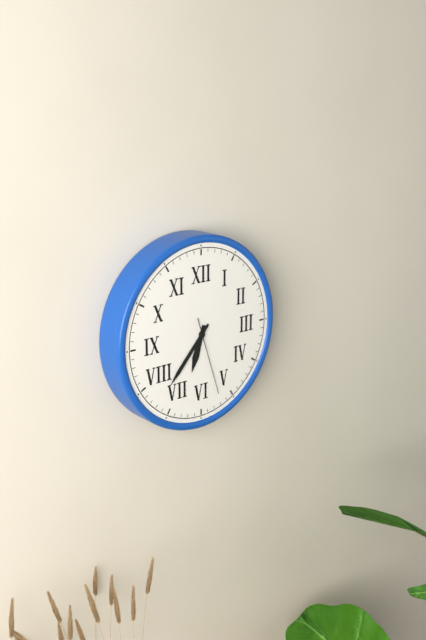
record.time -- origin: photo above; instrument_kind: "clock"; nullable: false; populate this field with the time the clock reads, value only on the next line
6:37:27
